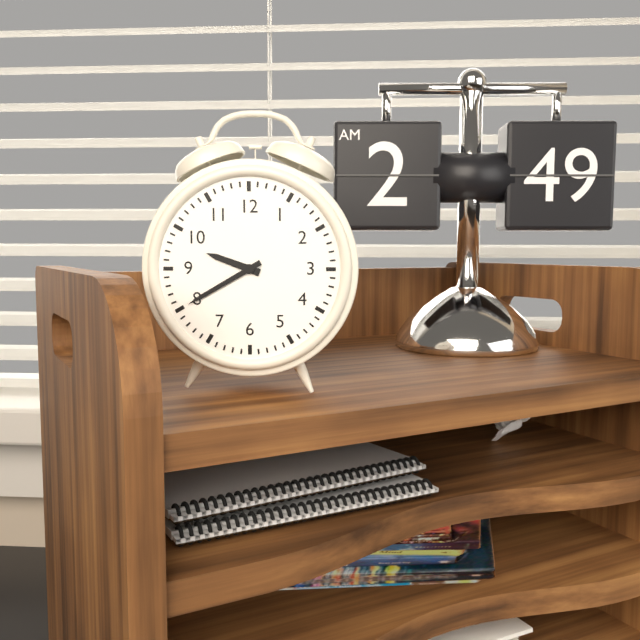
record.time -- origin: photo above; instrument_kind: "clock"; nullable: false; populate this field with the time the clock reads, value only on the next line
9:40
